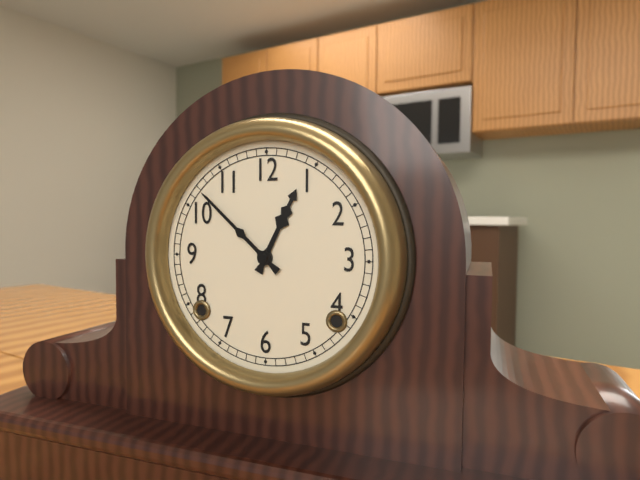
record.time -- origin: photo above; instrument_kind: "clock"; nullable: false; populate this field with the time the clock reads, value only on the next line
12:52
